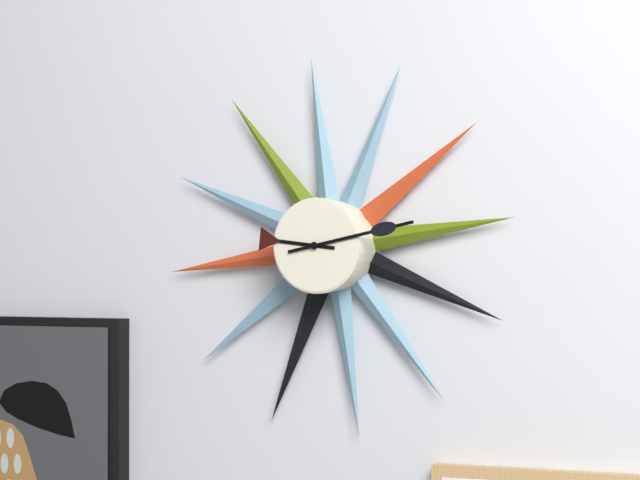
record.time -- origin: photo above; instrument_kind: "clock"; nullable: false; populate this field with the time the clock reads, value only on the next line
9:13
